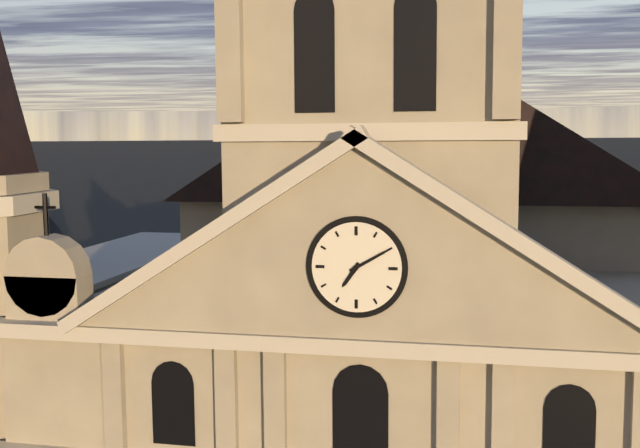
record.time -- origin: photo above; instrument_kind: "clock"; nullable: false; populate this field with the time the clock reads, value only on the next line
7:10
